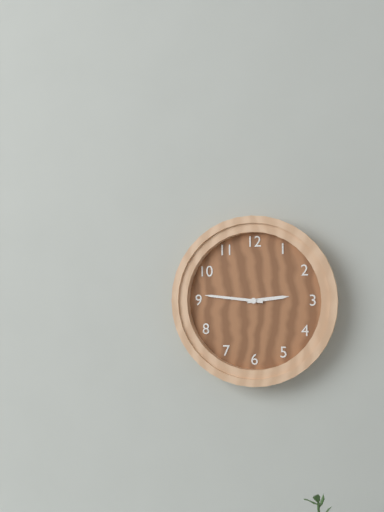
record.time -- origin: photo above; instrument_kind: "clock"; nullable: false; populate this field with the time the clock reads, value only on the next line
2:46
